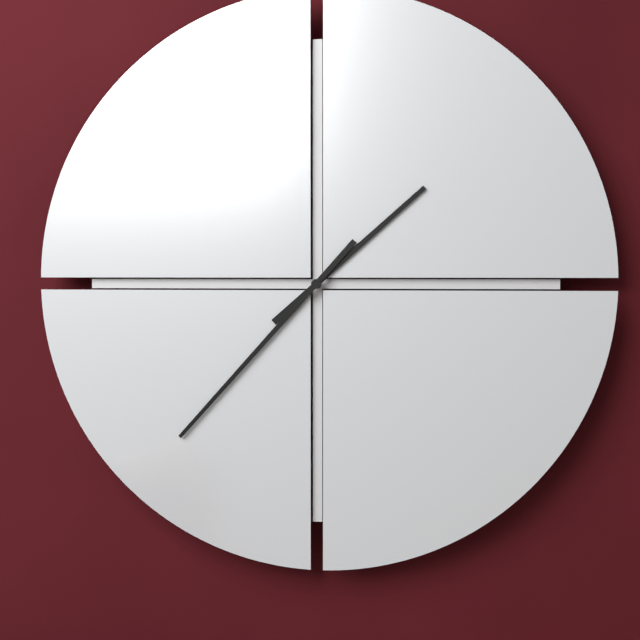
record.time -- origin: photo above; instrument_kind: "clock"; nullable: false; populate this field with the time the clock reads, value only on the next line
1:37
